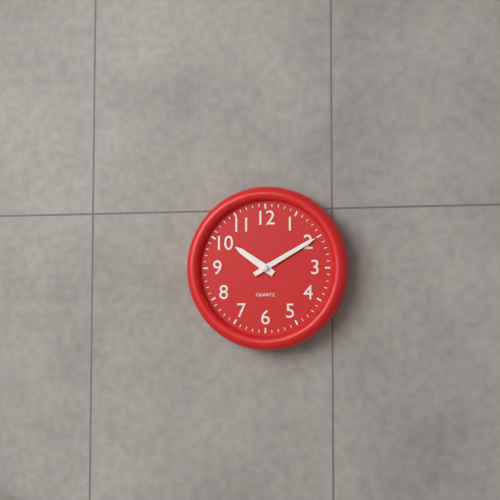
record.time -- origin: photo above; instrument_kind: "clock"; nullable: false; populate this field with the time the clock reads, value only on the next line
10:10
